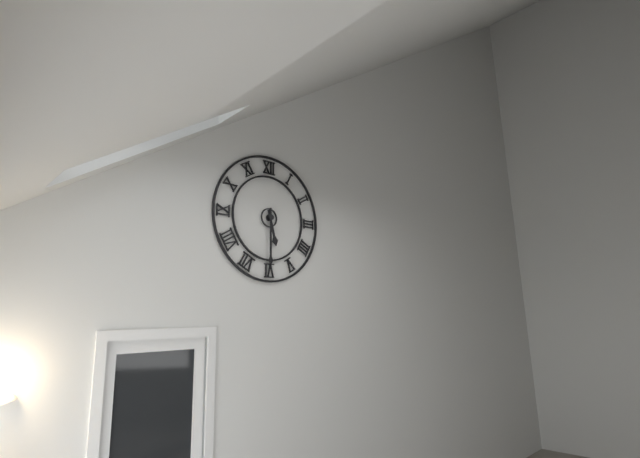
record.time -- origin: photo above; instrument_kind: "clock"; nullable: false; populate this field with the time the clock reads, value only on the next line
5:30
